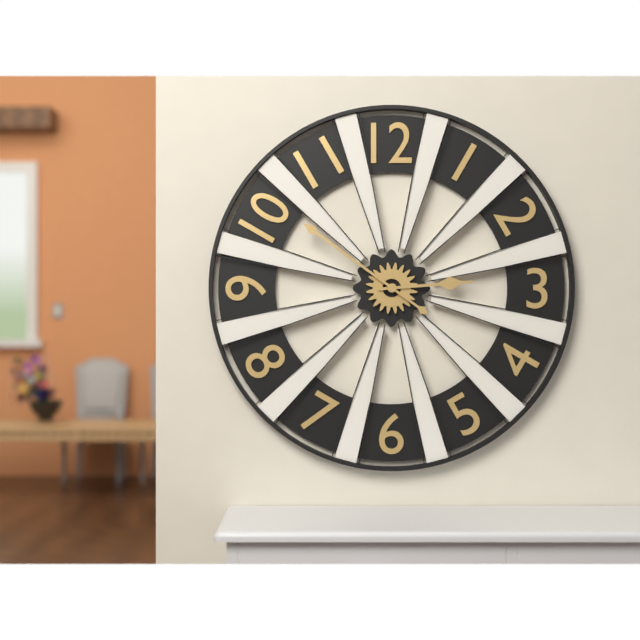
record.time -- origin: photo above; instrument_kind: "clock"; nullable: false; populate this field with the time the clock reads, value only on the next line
2:51
